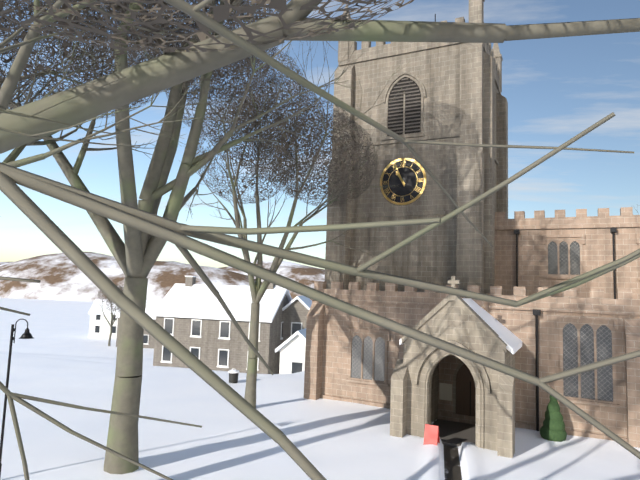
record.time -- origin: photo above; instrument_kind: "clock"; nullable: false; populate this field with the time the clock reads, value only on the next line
10:56
